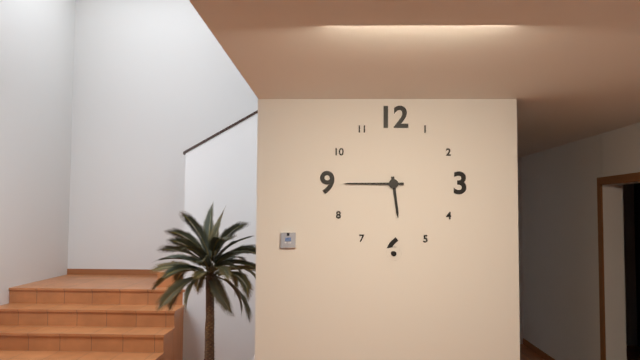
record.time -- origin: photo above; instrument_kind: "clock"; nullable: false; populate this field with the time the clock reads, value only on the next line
5:45
